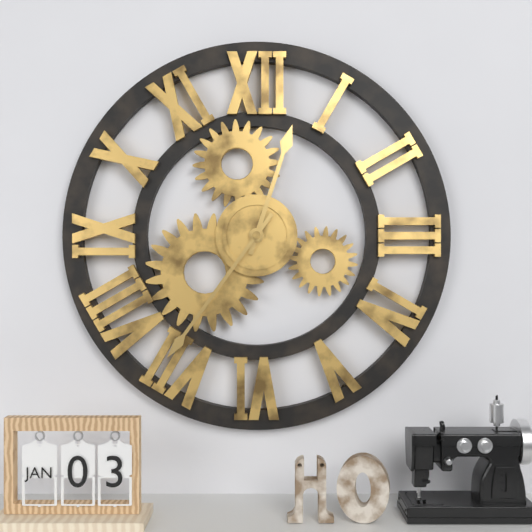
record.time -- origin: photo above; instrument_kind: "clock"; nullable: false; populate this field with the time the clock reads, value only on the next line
12:36
